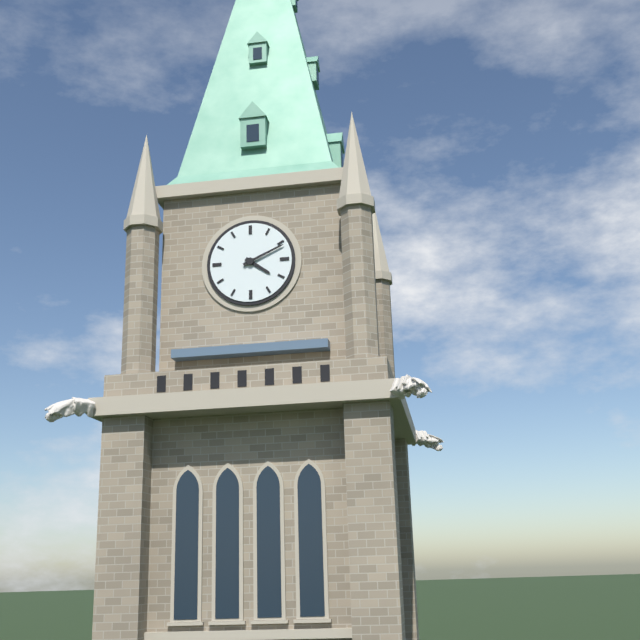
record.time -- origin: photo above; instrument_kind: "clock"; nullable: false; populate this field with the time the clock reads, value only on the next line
4:11
